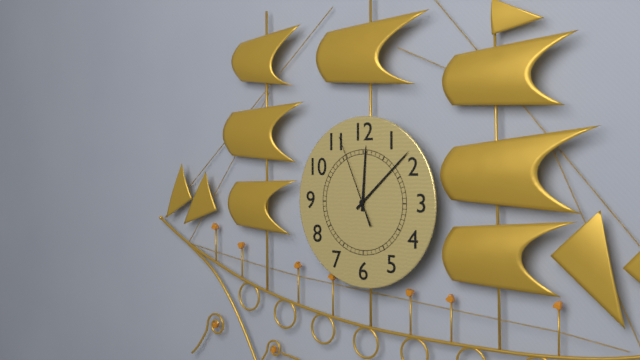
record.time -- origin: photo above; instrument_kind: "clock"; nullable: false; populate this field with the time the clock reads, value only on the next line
12:08:56
